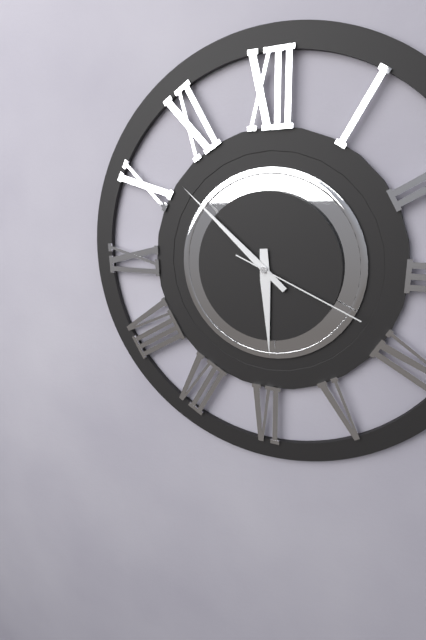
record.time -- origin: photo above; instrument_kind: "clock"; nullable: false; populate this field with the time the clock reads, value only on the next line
5:52:19
